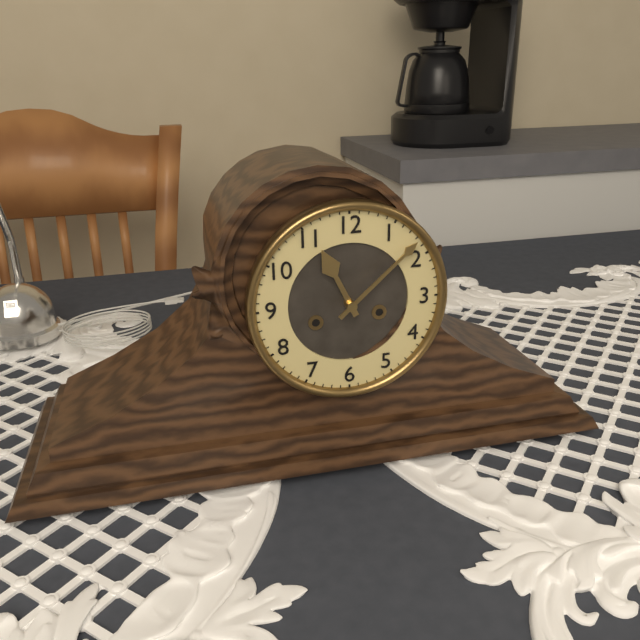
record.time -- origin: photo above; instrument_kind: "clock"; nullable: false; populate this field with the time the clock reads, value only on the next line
11:08
